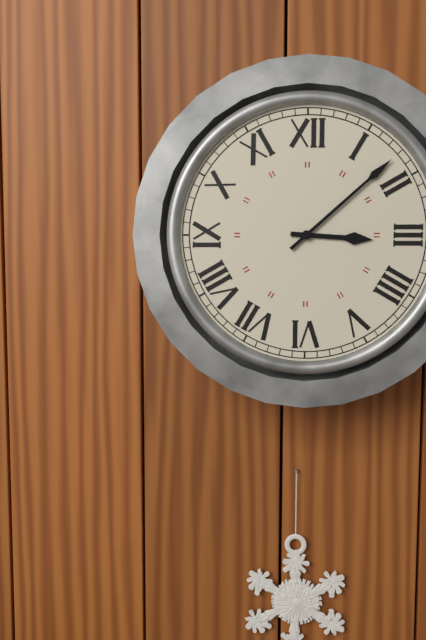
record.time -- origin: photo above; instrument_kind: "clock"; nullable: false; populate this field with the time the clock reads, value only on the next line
3:08
